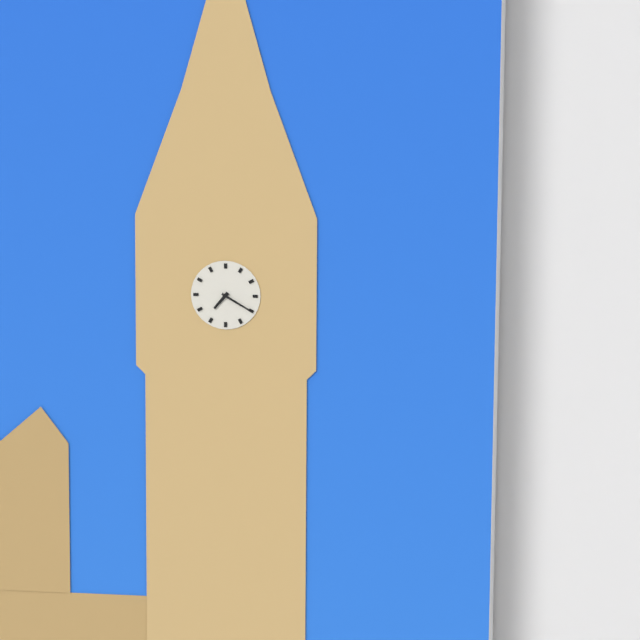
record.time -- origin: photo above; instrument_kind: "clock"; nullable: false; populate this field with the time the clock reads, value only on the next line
7:20
